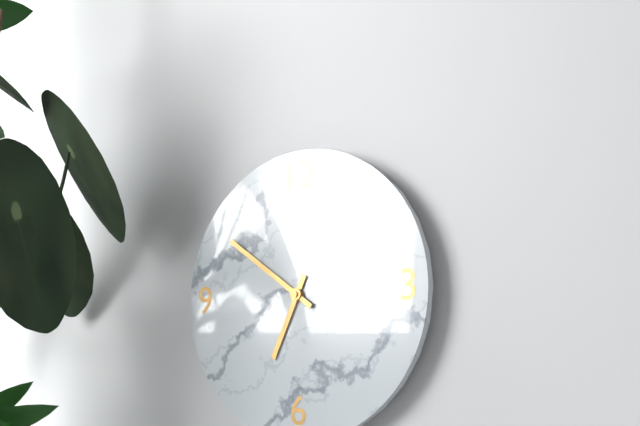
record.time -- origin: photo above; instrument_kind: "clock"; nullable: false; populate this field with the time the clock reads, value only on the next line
6:51
